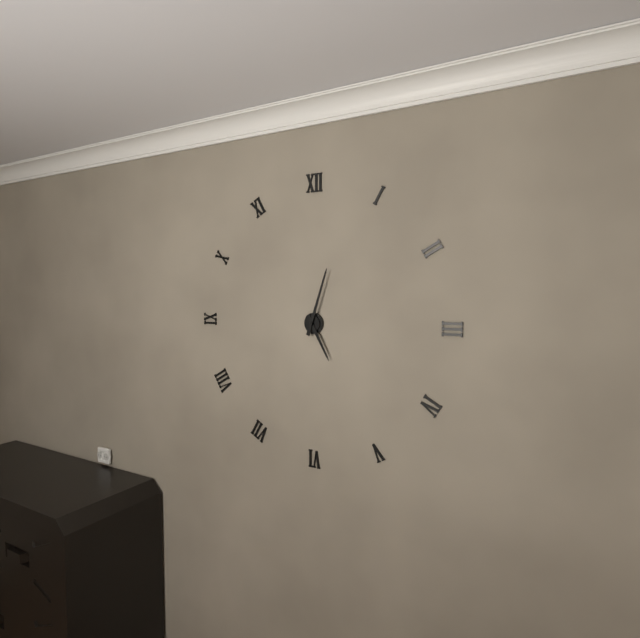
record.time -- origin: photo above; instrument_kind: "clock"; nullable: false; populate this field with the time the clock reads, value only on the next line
5:03
